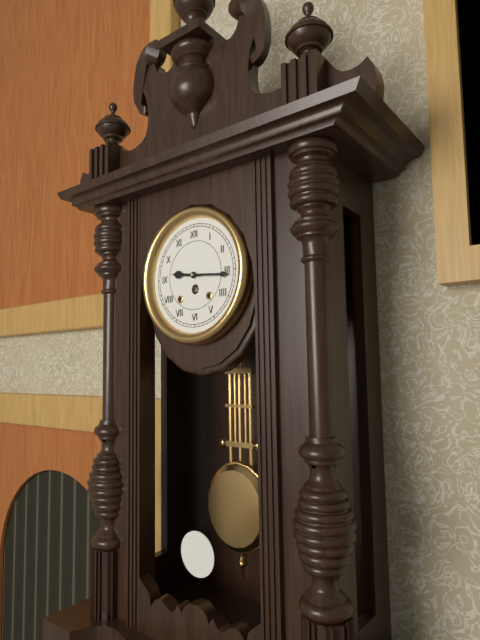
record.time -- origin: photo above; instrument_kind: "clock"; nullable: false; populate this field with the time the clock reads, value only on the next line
9:16
